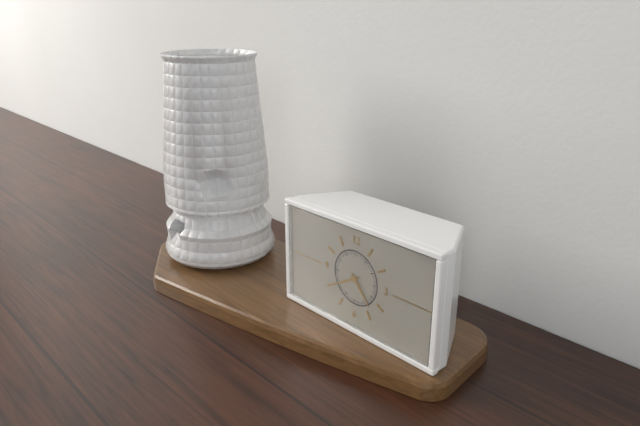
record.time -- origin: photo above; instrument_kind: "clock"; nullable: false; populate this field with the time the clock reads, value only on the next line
4:40
